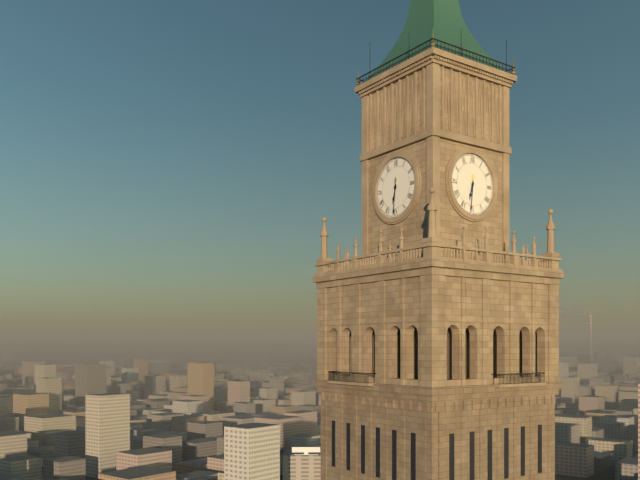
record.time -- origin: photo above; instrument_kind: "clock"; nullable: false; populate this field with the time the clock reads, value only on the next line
6:31
